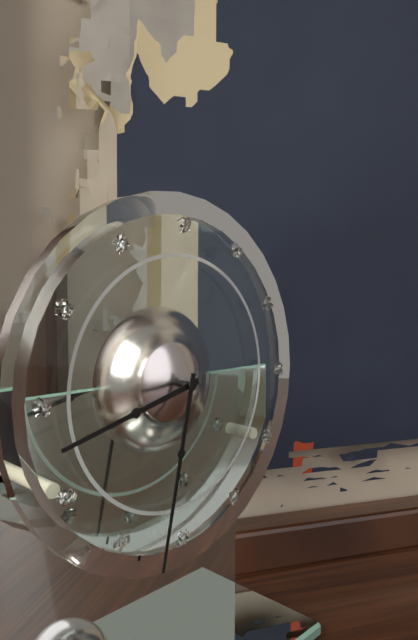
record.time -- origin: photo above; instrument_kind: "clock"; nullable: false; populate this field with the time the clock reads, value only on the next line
8:32
